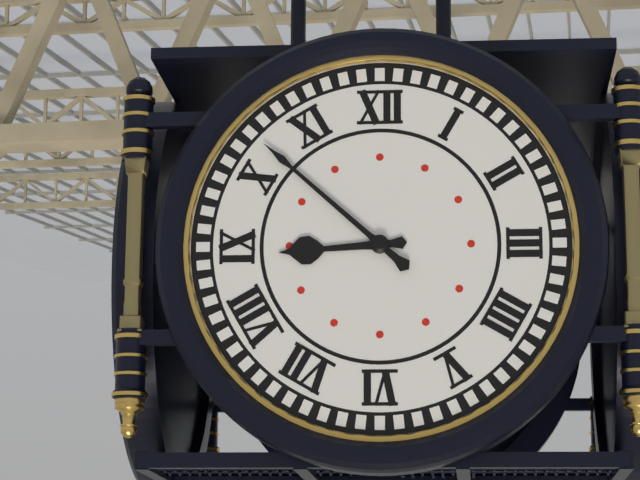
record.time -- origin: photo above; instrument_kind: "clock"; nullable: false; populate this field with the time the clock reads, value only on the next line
8:52
